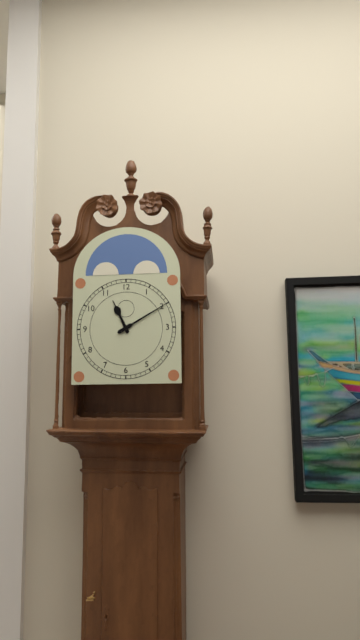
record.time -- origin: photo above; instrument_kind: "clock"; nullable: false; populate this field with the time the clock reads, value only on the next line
11:10
